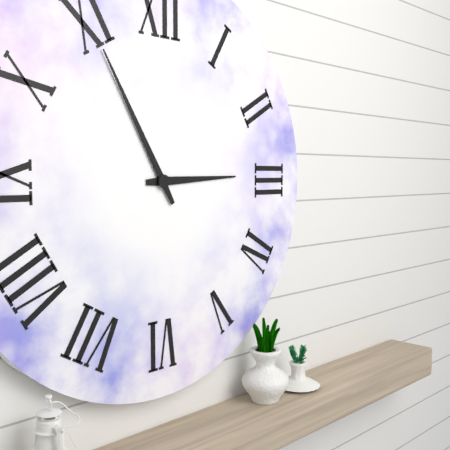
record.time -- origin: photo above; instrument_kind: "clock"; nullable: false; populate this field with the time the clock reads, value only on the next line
2:55
